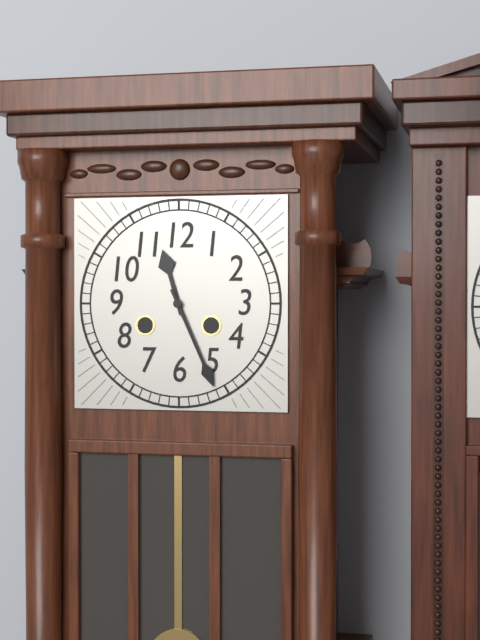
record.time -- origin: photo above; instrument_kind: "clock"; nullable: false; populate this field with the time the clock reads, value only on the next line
11:26
